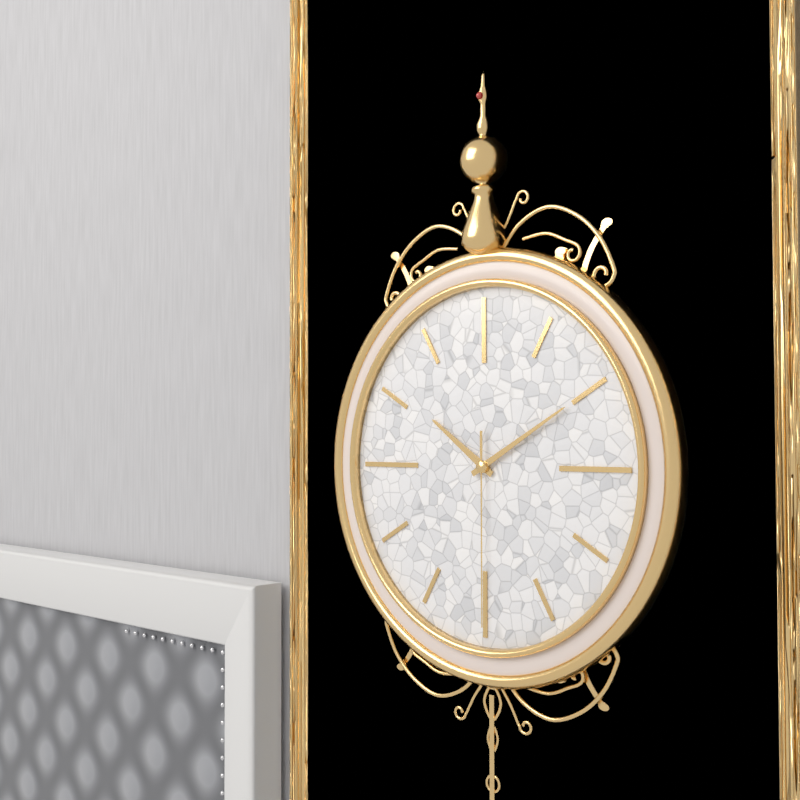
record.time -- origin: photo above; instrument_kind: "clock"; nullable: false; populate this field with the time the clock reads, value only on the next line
10:10:30
